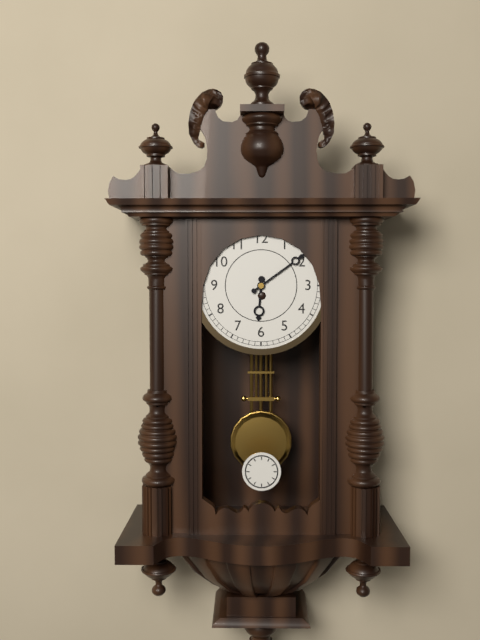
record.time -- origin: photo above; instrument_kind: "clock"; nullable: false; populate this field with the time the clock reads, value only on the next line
6:09
